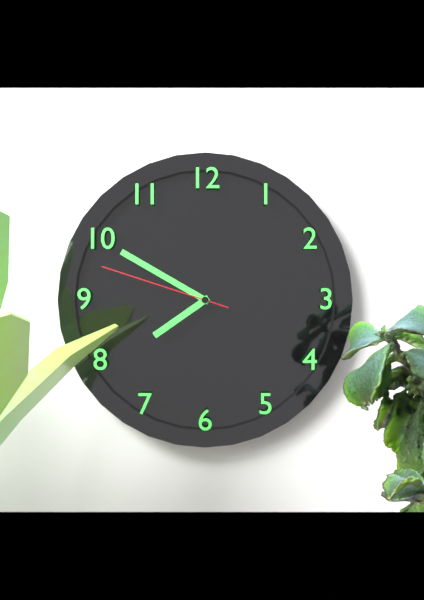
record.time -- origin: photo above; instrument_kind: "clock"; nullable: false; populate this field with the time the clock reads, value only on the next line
7:50:48
